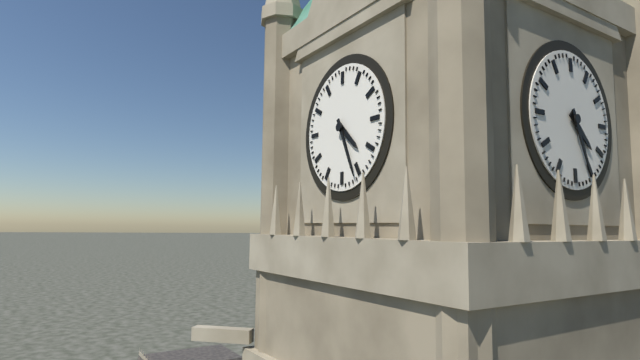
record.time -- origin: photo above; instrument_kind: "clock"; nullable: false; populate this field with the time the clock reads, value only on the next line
4:26
